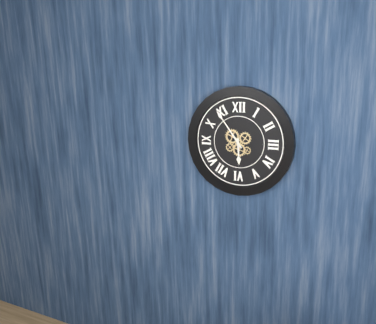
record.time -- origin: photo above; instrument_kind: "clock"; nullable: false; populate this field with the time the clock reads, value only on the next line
5:54
